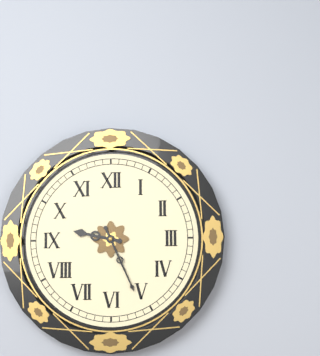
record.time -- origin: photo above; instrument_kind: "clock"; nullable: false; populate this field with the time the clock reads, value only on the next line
9:26
